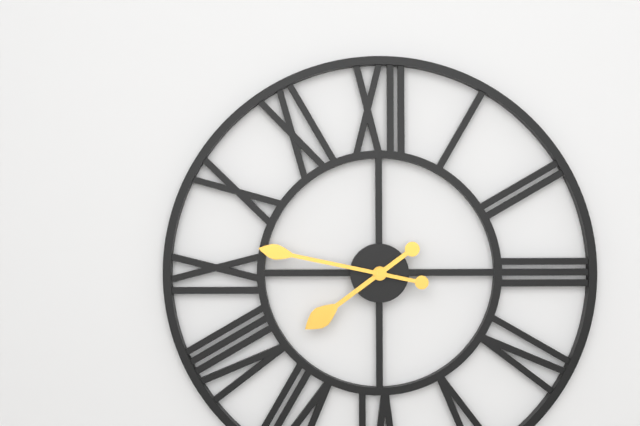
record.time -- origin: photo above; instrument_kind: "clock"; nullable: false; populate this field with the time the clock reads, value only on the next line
7:47
